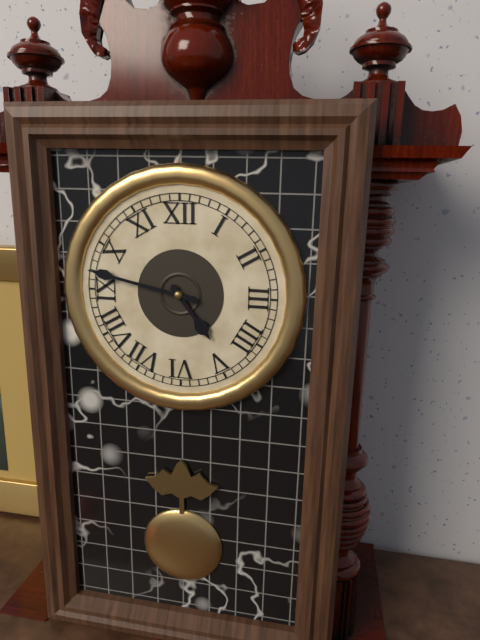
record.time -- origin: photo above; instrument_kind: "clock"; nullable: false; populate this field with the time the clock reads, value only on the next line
4:47
